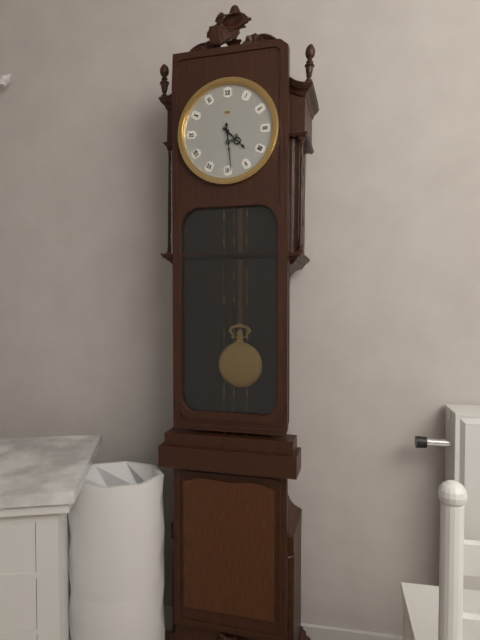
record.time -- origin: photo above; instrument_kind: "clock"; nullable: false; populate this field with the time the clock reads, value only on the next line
4:29
